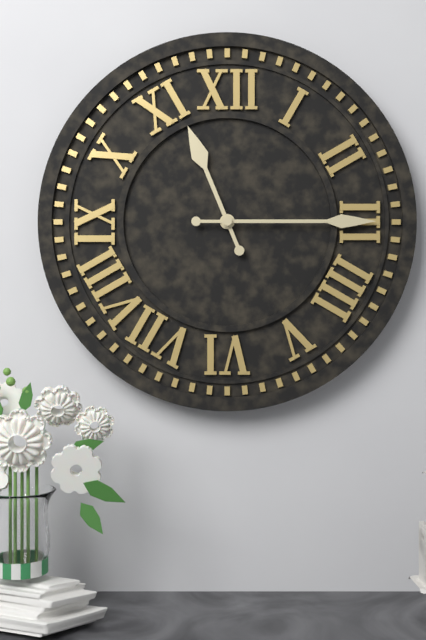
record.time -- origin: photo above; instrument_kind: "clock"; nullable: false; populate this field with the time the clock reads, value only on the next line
11:15
